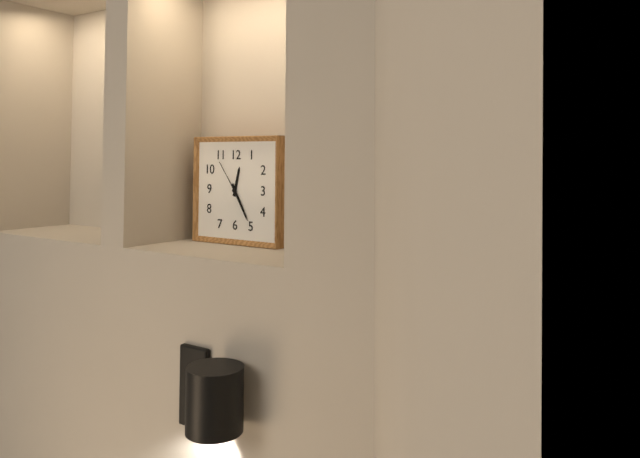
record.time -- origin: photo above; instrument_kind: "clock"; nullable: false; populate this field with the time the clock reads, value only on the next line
12:25
